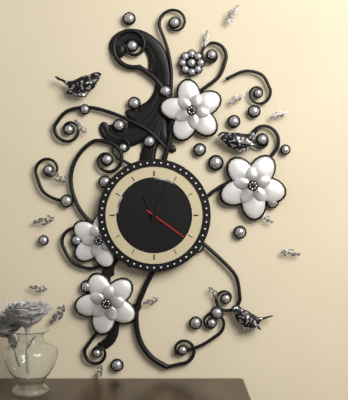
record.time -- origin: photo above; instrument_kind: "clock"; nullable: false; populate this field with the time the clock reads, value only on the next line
11:04
